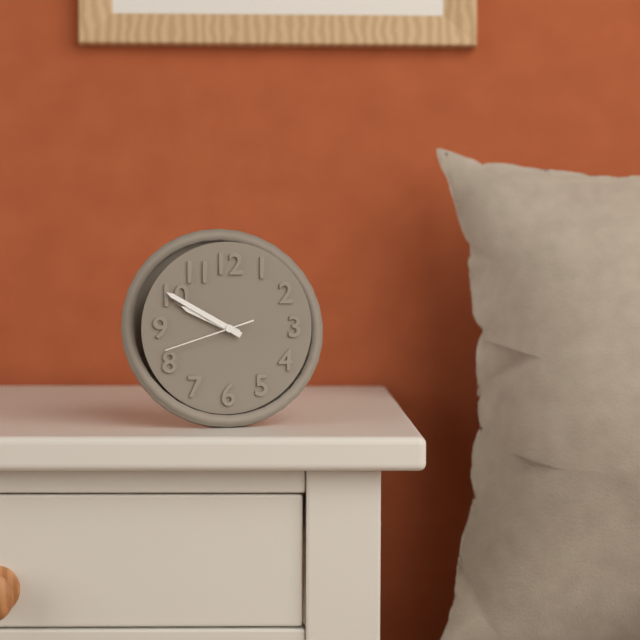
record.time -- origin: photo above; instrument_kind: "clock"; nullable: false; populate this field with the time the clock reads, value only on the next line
9:50:42
